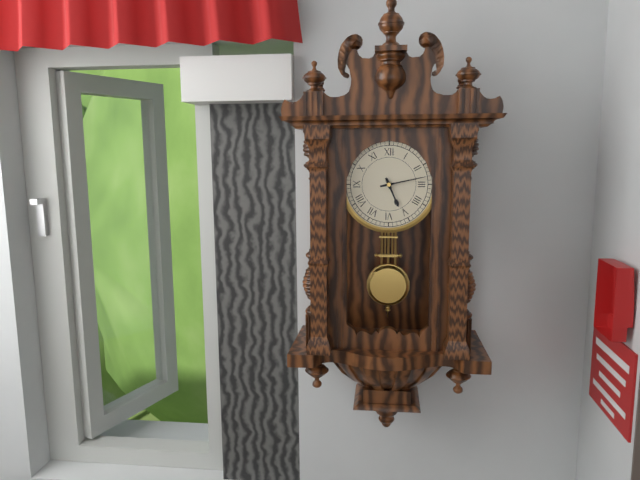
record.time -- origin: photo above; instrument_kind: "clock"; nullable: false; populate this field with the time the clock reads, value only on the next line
5:13
